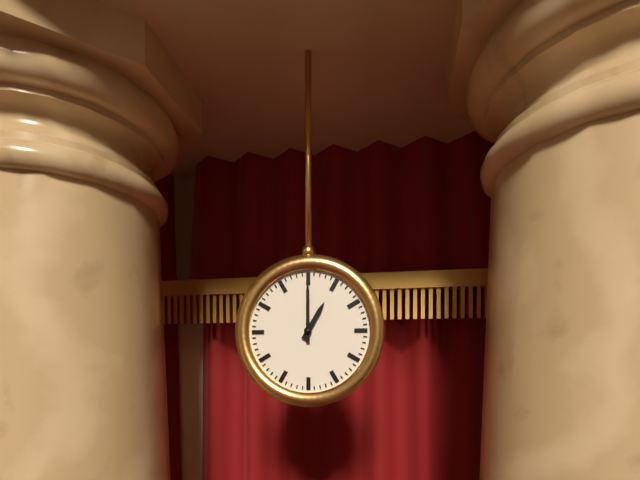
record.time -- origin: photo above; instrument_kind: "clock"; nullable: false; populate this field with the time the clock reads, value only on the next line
1:00
